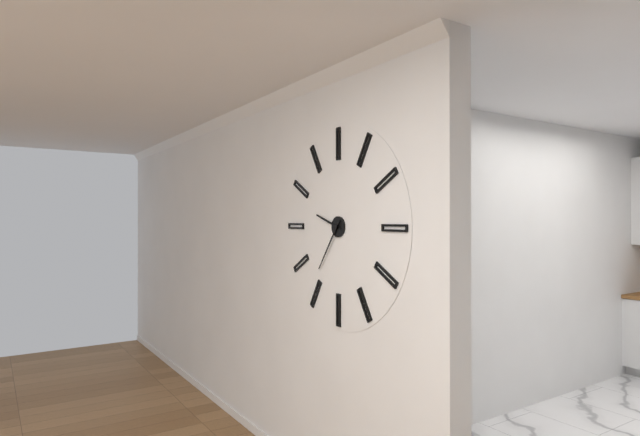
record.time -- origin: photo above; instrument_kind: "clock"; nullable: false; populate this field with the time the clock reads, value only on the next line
9:36
